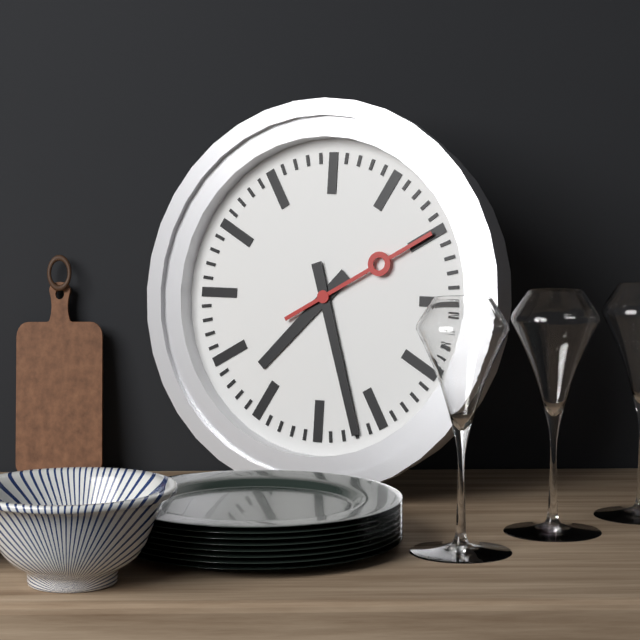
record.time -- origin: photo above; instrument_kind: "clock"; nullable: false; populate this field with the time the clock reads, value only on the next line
7:27:10
